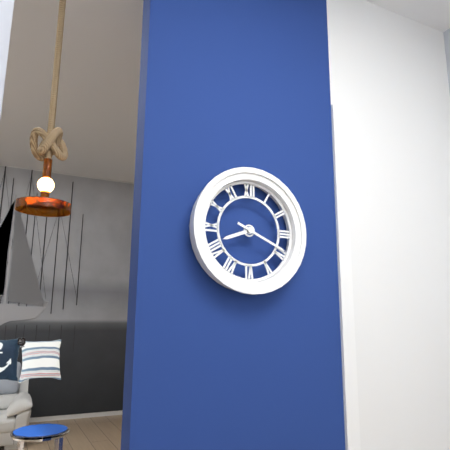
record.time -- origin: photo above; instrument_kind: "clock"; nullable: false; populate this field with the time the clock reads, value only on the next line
8:19
